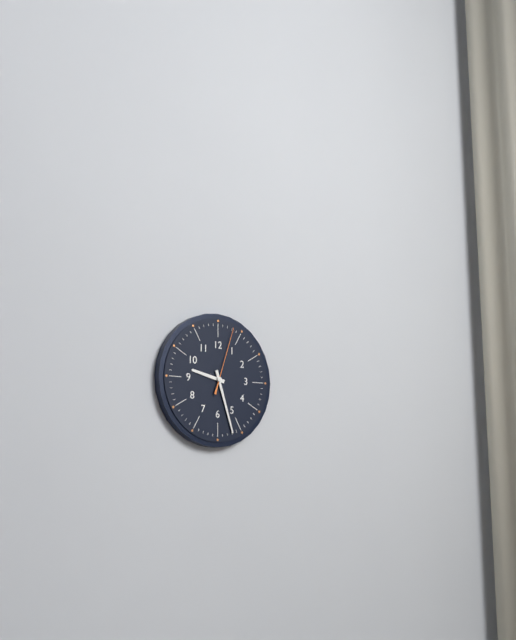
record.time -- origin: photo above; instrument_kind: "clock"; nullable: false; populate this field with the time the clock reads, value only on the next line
9:27:03
